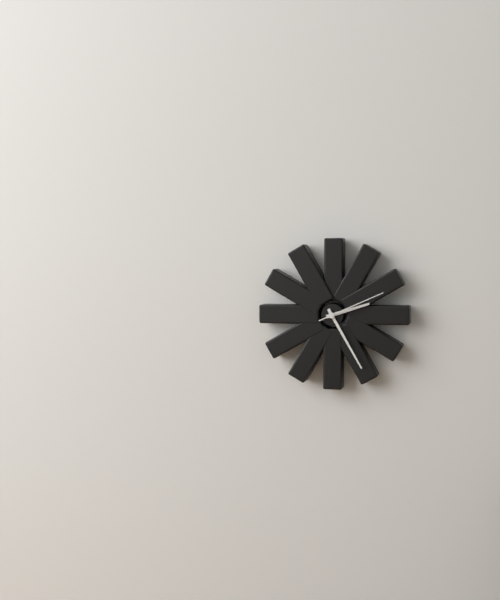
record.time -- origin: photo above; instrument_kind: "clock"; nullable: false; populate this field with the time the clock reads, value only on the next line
2:25:11
